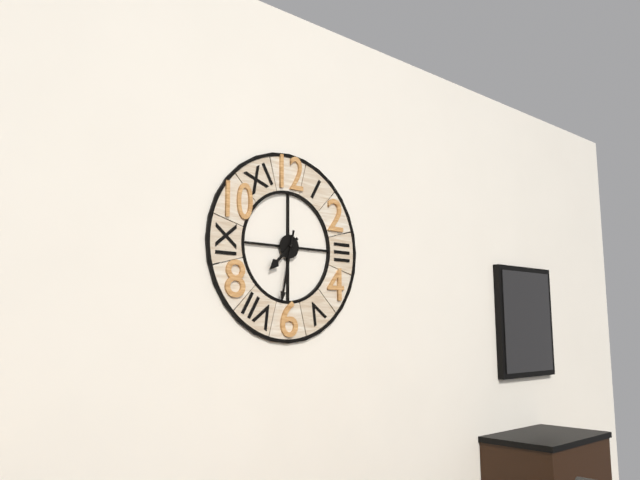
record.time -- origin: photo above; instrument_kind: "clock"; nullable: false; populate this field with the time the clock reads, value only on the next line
7:32
